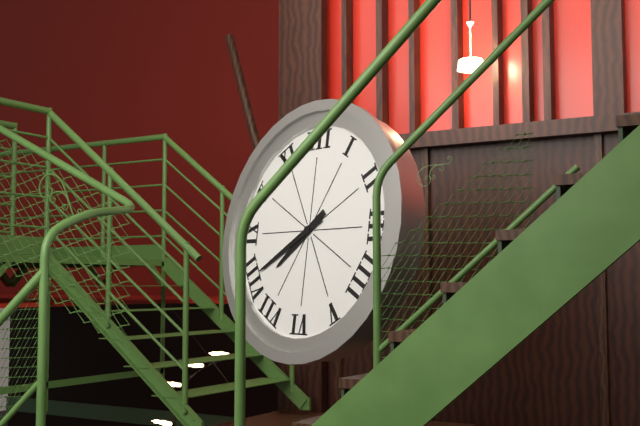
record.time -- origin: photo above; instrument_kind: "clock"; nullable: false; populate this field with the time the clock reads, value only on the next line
7:40
